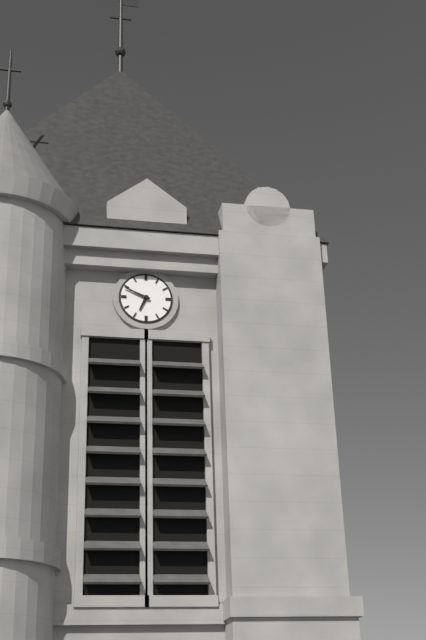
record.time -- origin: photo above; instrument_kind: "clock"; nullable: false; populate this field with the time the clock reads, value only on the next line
6:49
